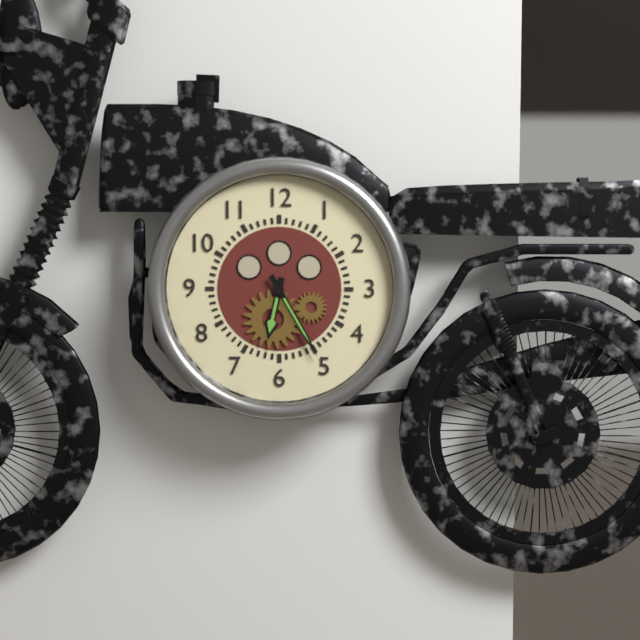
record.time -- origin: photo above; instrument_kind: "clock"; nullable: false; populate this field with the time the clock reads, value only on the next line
6:25
